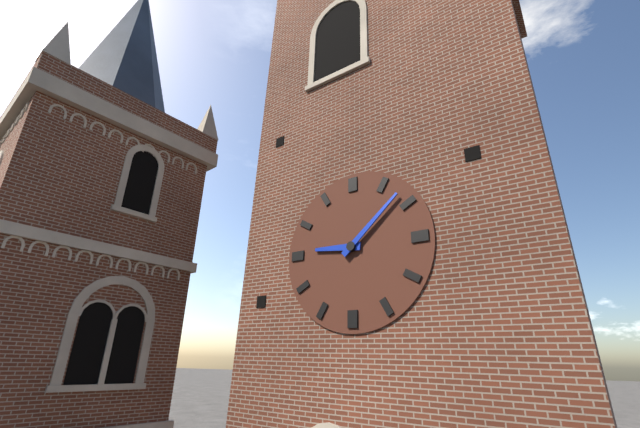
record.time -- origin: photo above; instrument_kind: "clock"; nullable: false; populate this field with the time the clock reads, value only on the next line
9:08
